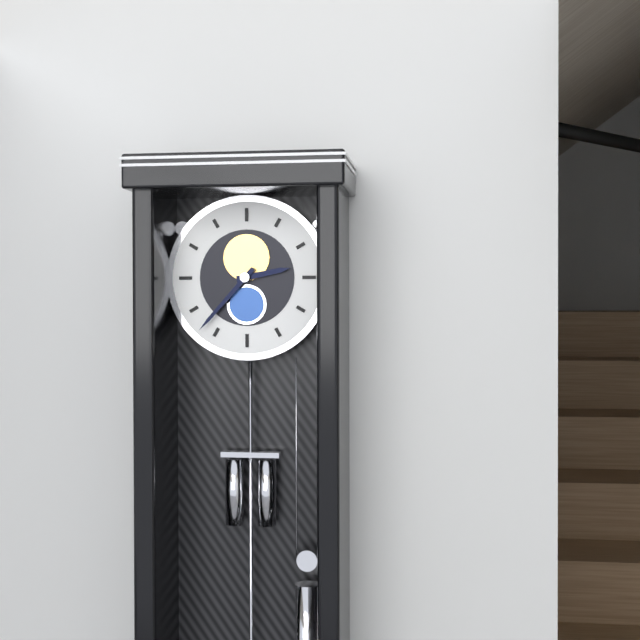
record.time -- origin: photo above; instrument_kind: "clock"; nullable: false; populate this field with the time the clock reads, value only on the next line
2:37
